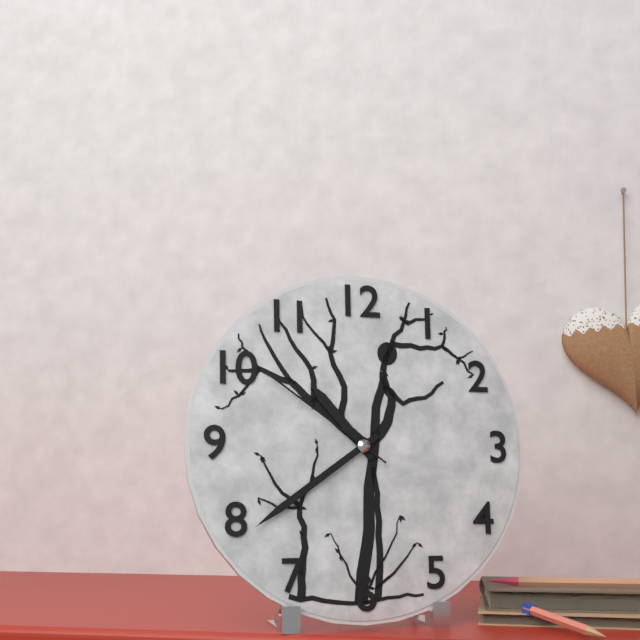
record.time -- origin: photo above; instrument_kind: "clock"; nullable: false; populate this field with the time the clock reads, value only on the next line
10:39:51
